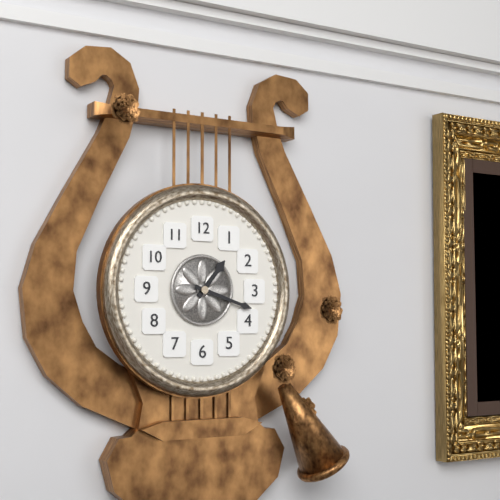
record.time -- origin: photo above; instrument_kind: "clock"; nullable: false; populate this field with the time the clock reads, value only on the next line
1:18
